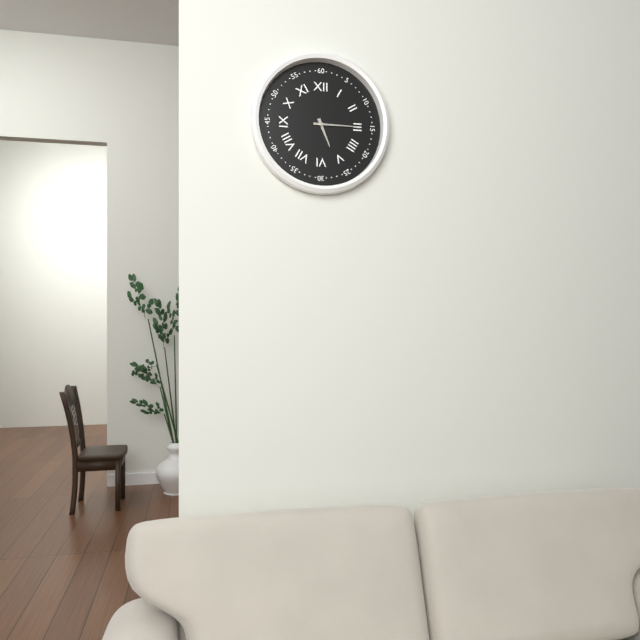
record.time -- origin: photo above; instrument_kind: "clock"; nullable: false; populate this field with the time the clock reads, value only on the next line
5:15
